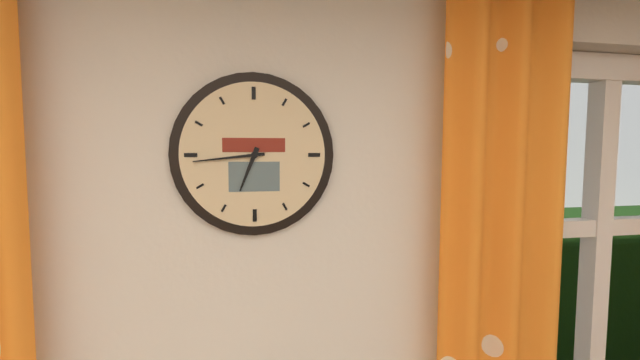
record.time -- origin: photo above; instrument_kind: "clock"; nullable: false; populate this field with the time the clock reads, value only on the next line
6:44
